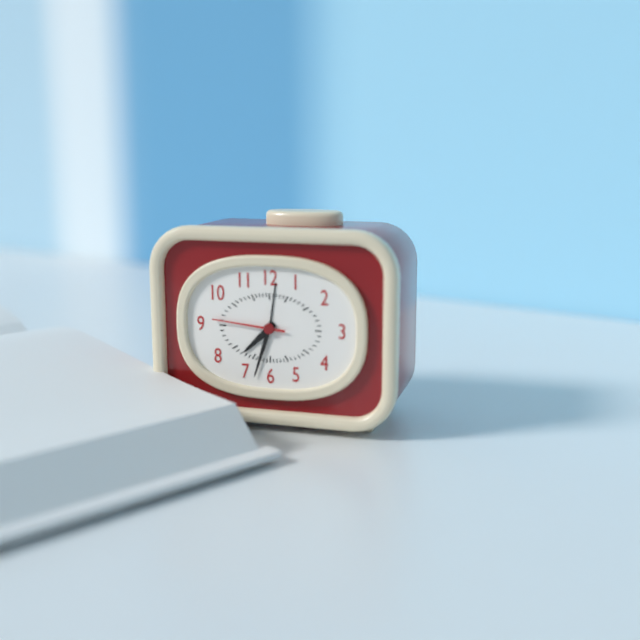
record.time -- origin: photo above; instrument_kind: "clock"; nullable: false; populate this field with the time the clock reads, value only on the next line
7:33:46
